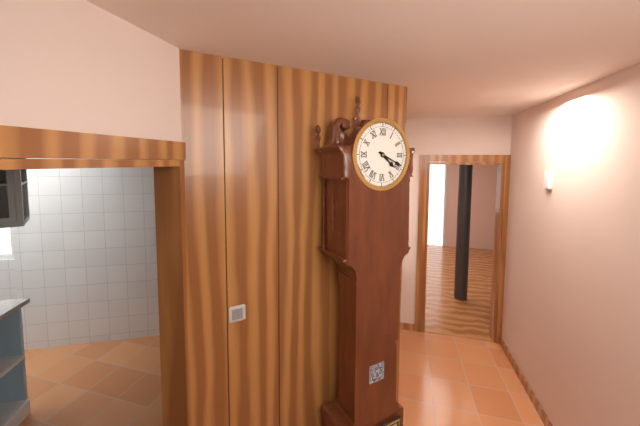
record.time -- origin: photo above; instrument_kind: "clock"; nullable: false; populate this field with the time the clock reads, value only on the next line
4:19
